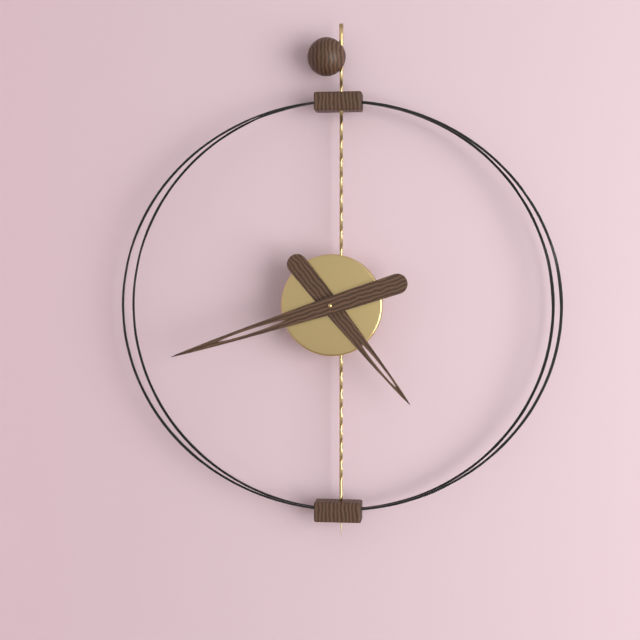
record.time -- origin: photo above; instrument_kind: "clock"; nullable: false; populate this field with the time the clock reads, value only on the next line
4:42
